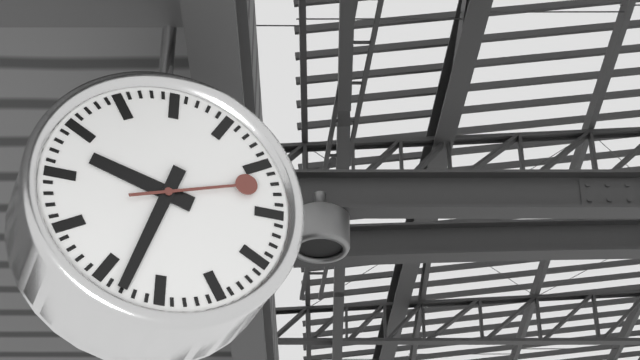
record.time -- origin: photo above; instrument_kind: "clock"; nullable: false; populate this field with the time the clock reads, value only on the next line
9:33:12
